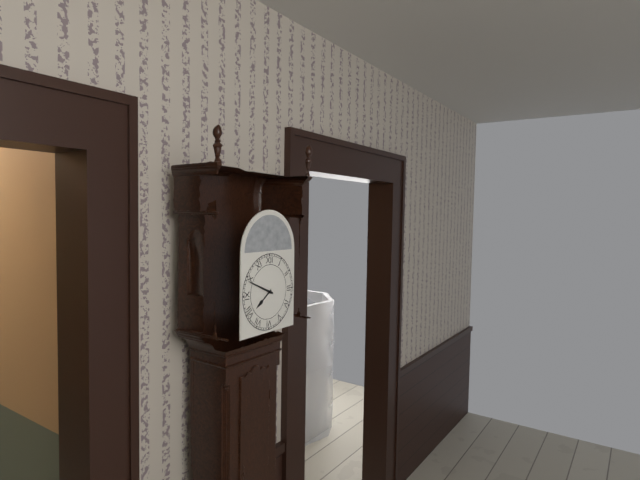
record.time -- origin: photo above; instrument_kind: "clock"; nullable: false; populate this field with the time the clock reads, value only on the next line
7:49
